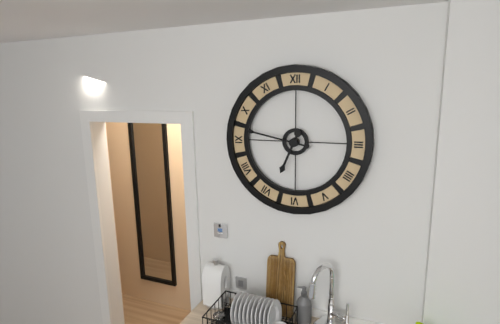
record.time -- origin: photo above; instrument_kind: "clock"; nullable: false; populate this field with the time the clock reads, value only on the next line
6:47
